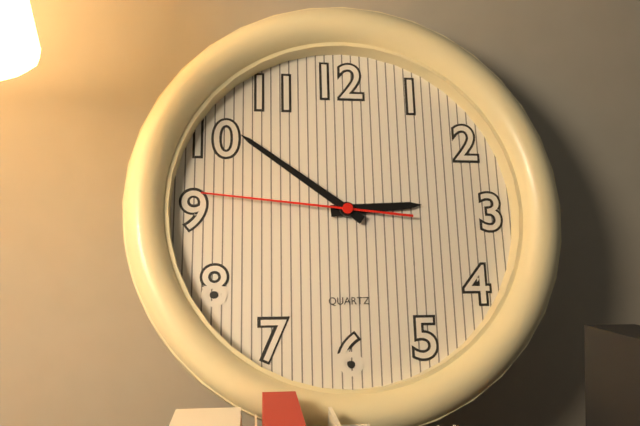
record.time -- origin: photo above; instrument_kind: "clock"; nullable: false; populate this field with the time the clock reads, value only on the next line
2:51:46
